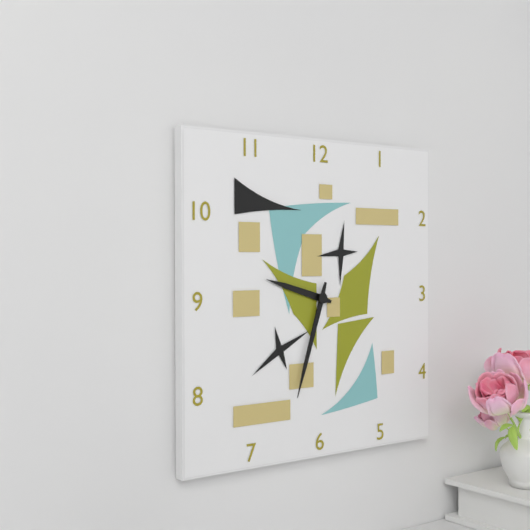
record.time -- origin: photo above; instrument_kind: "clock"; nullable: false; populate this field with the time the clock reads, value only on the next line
9:33
